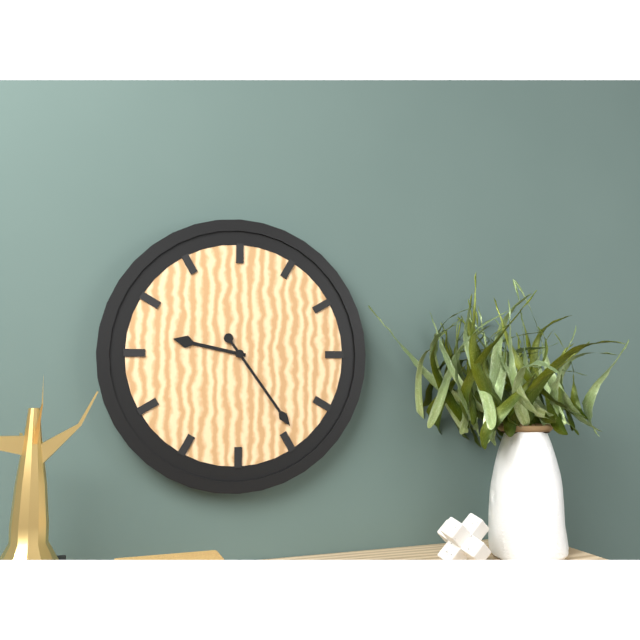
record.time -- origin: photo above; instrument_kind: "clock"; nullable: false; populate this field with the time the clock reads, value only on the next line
9:24
